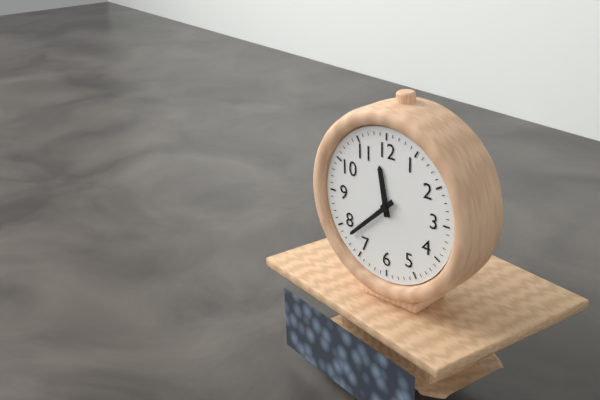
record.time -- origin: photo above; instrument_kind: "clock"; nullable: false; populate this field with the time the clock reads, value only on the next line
11:38
